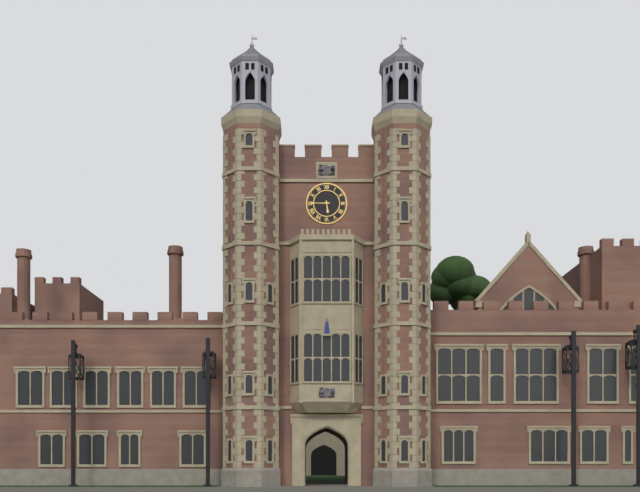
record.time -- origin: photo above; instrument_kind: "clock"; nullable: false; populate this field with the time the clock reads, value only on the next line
5:45
